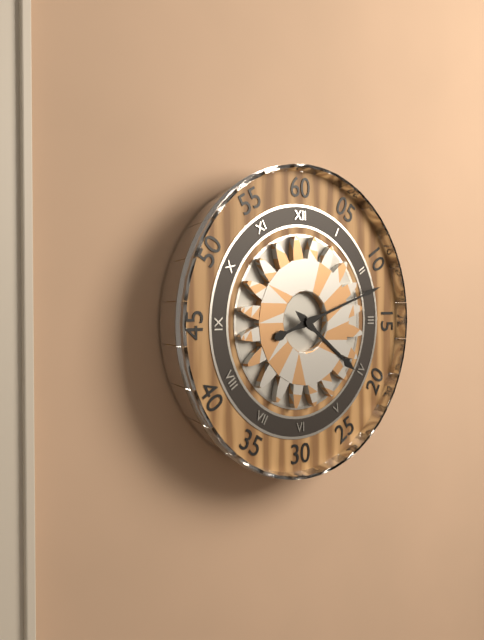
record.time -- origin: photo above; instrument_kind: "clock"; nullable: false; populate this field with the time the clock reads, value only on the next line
4:12
